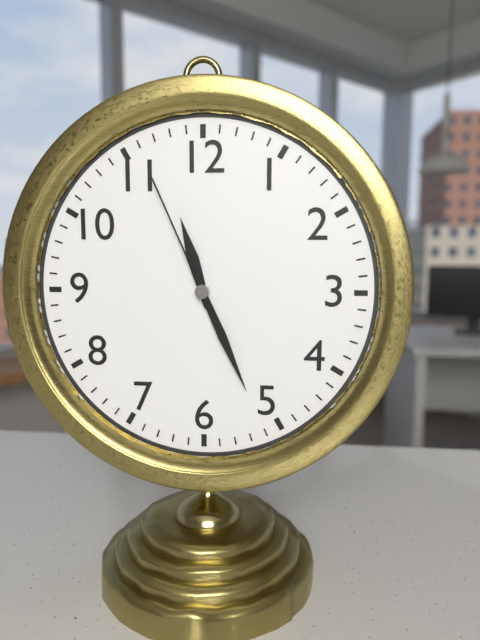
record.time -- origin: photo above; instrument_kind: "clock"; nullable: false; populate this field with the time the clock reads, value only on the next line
11:26:56
